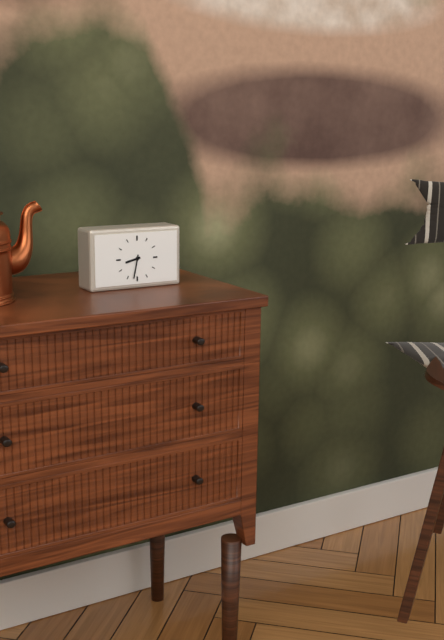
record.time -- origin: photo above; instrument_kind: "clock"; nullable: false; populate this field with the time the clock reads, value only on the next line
8:32
